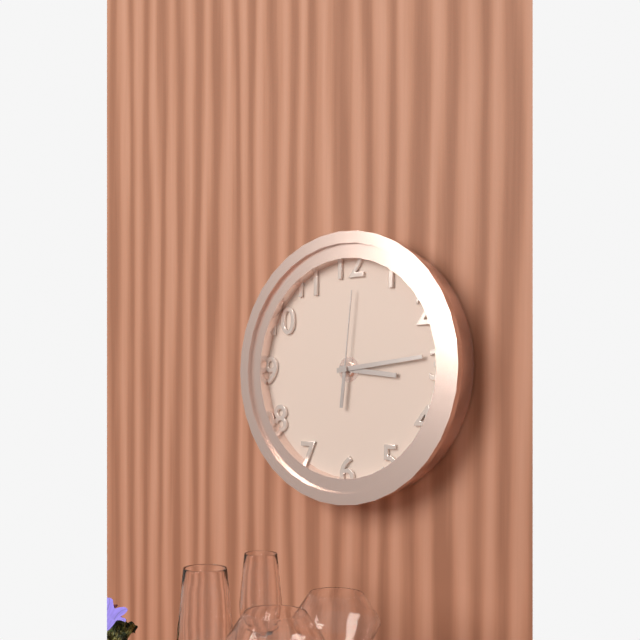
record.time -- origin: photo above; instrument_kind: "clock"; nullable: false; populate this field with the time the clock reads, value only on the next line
3:14:01
